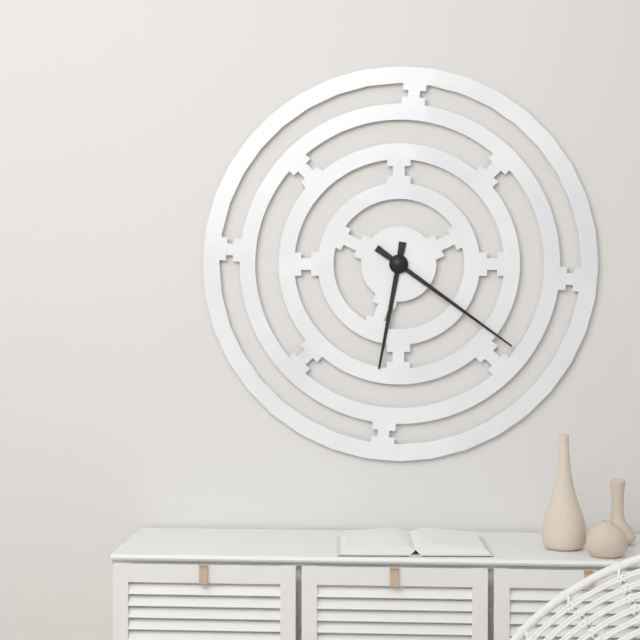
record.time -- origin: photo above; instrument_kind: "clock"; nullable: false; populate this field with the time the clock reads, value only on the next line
6:21
